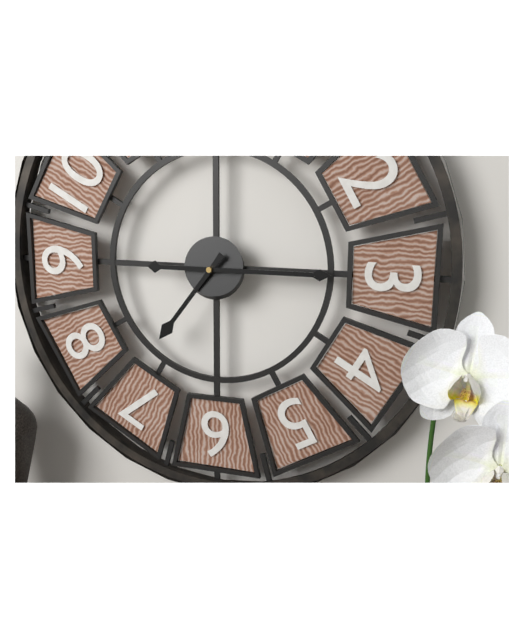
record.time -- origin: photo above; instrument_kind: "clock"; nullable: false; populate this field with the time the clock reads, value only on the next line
7:15
